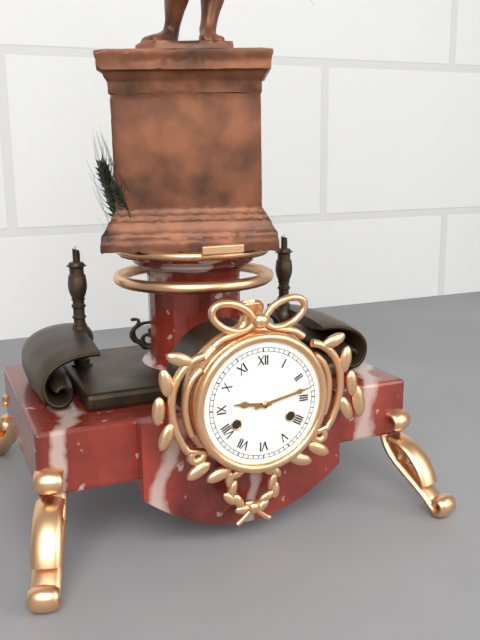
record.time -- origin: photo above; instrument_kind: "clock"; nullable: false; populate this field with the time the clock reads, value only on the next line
9:13
